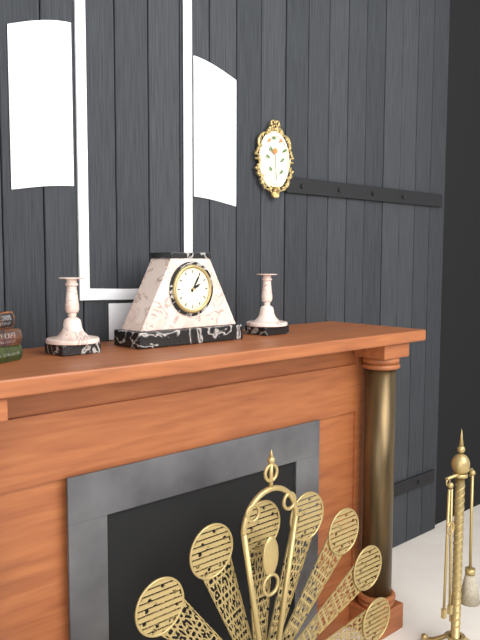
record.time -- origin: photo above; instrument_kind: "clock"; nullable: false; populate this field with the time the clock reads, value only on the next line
2:05
